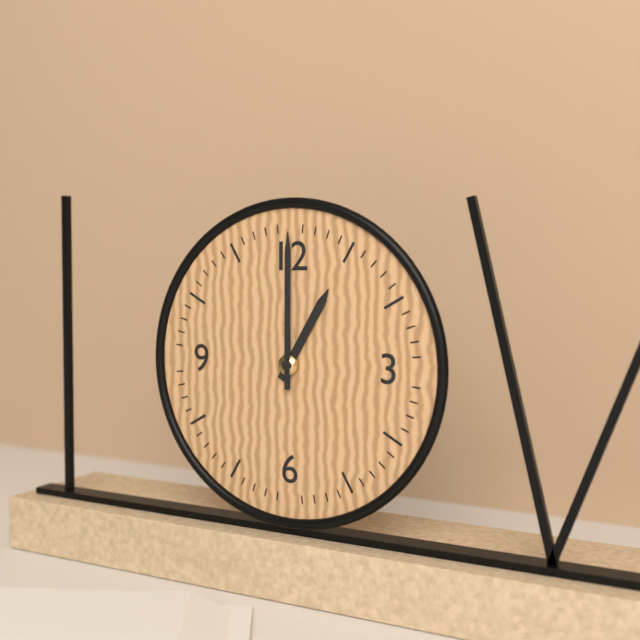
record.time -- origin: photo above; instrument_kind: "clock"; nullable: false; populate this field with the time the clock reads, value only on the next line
1:00
